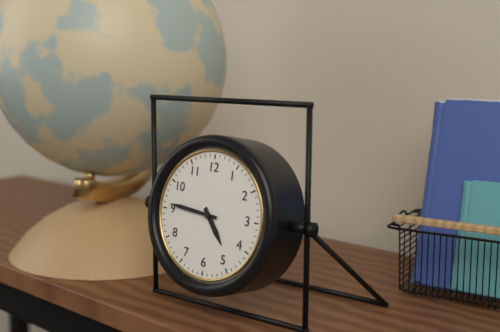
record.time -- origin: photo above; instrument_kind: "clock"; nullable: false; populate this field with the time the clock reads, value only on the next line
4:46
